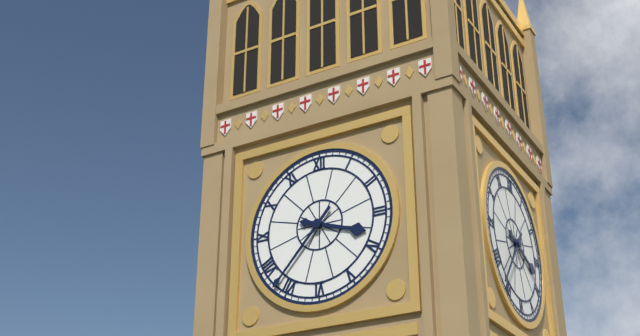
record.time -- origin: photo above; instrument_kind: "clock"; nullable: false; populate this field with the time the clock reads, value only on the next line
3:37
